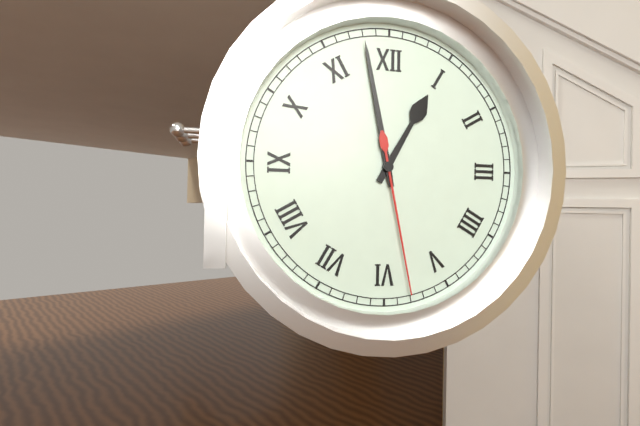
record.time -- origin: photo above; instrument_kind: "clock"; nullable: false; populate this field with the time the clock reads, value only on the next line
12:58:28
